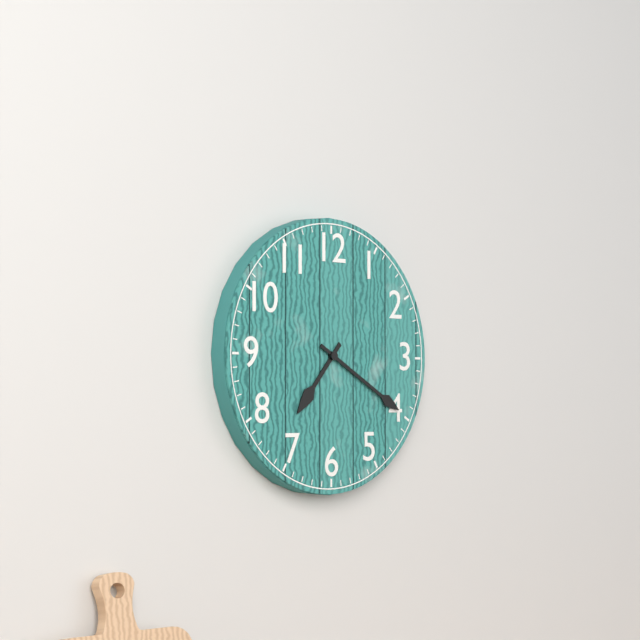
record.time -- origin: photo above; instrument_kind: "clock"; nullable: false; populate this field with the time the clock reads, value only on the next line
7:20
